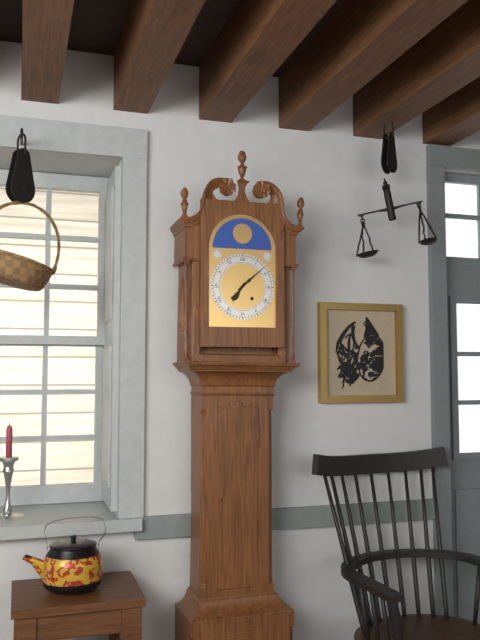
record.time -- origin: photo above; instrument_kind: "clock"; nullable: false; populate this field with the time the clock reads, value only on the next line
7:08
